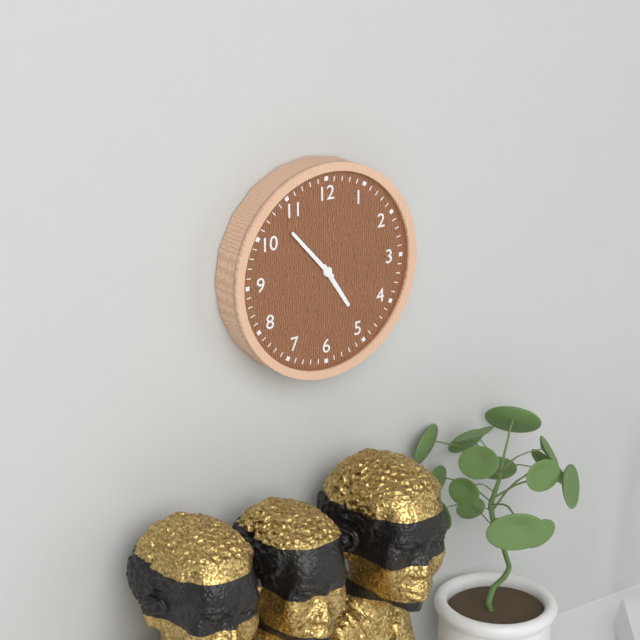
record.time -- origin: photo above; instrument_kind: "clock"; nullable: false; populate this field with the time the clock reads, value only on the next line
4:53
